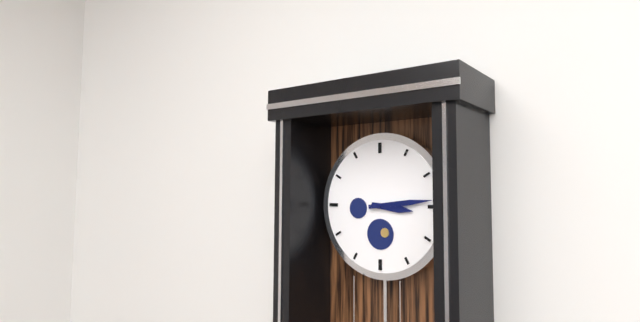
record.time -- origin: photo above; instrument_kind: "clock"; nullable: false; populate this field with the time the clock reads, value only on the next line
3:14
